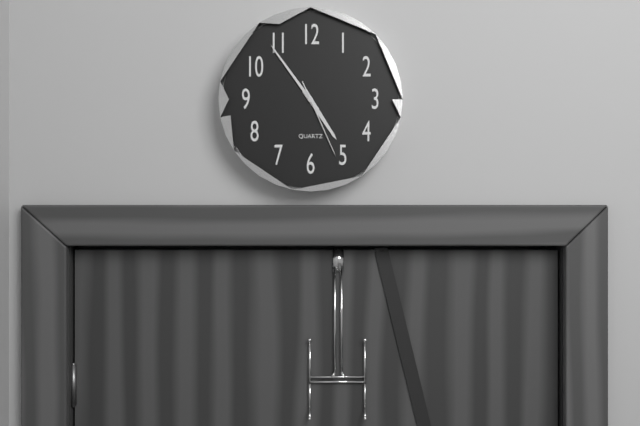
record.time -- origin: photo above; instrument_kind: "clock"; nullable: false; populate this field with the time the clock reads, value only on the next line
4:54:26
